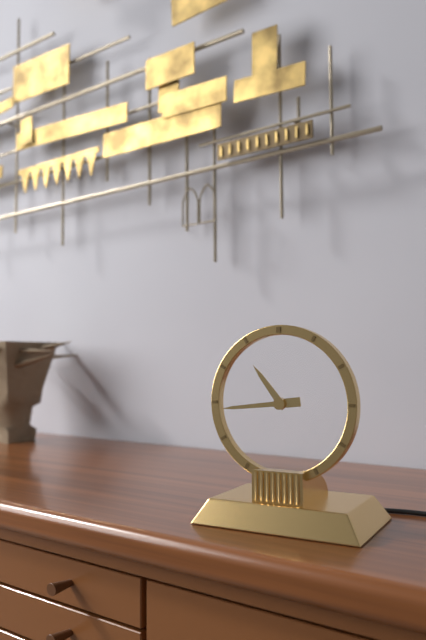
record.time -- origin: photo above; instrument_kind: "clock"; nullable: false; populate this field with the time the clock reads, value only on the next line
10:44
